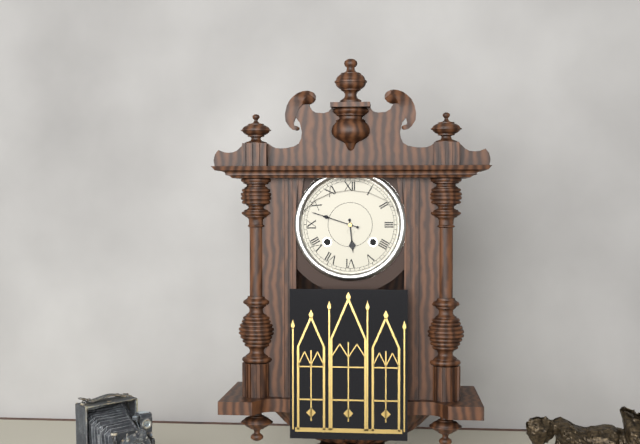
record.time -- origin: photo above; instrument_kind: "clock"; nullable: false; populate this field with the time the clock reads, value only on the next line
5:48
